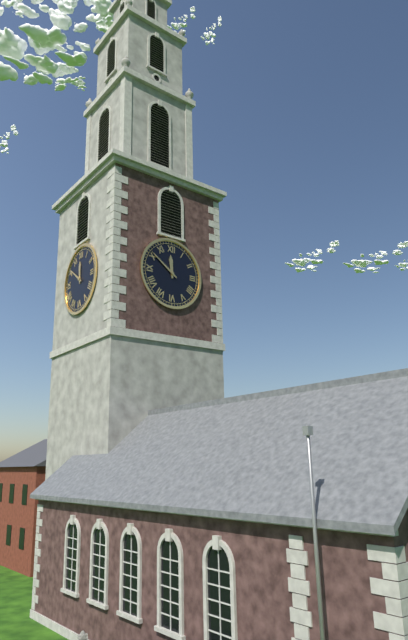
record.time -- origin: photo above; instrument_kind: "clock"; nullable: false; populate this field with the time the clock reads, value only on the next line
11:51
